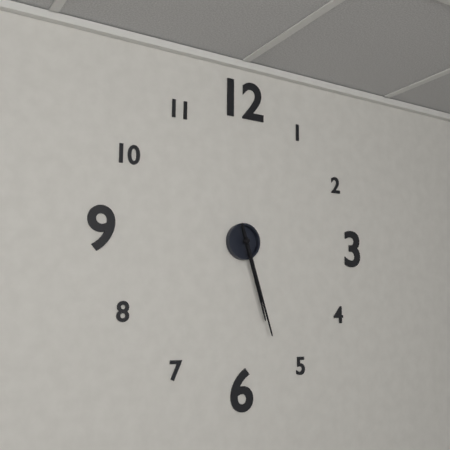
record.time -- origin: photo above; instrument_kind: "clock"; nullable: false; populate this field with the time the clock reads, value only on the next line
5:27
